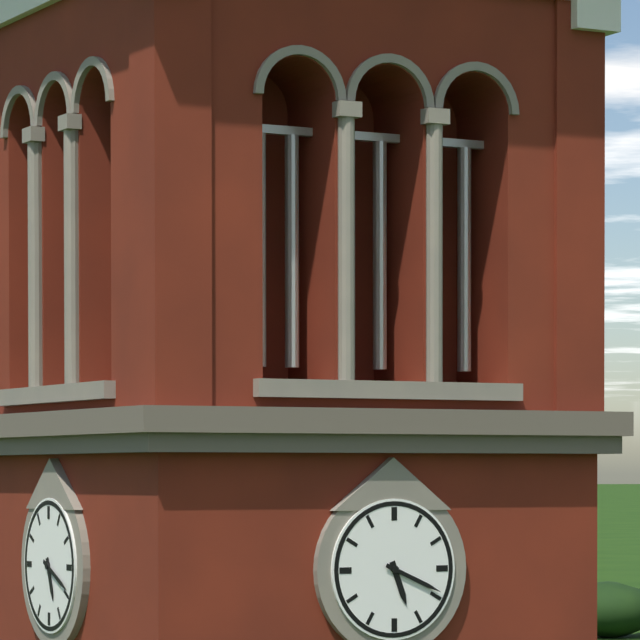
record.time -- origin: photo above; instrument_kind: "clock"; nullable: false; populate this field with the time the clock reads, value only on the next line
5:19
